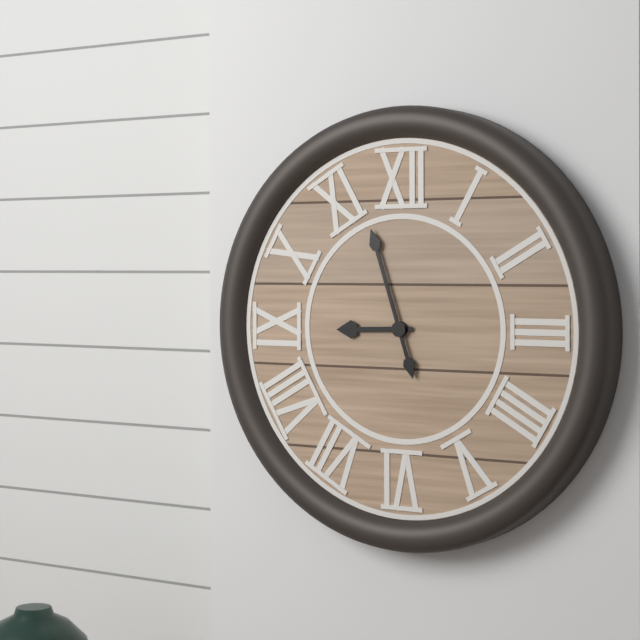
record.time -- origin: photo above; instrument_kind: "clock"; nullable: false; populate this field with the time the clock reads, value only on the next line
8:57
